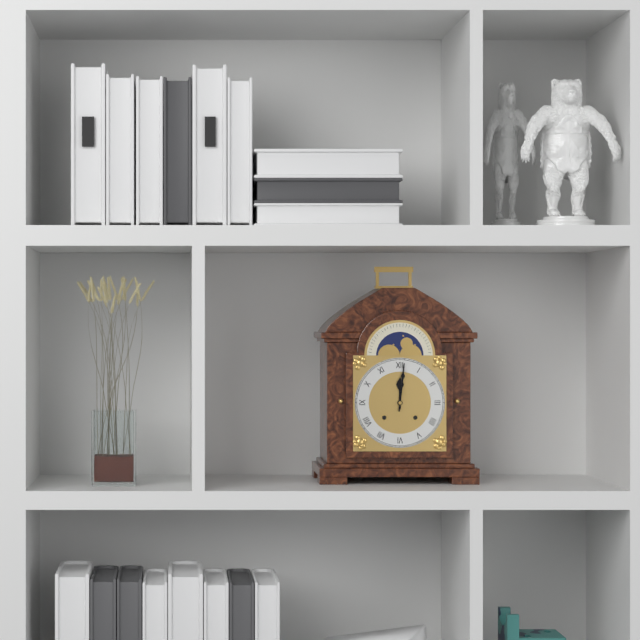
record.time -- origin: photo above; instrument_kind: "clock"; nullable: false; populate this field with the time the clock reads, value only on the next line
12:01
